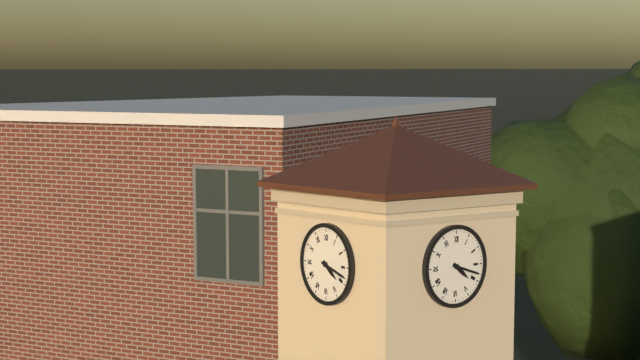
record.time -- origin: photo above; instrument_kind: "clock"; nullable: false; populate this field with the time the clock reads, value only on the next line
4:18
